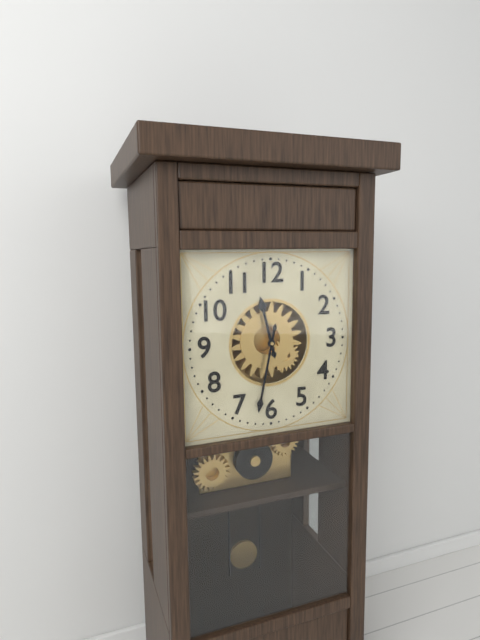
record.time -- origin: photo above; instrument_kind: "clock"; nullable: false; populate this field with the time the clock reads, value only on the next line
11:32
